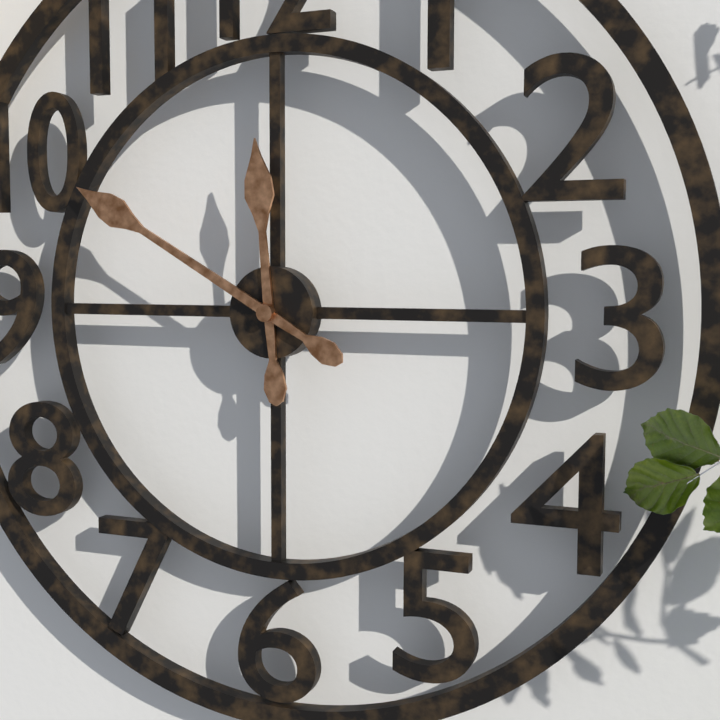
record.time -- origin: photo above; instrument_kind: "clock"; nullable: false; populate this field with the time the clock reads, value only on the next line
11:50
